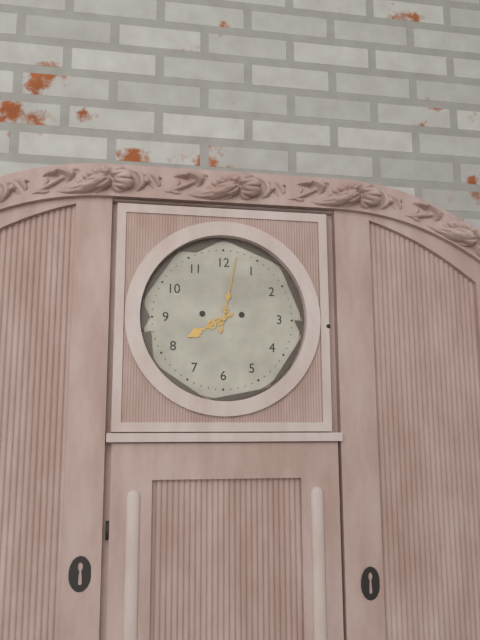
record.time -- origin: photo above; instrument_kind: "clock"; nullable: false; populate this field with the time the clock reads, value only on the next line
8:02
